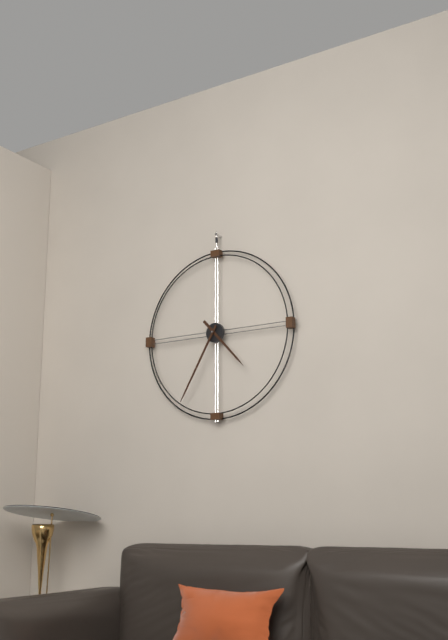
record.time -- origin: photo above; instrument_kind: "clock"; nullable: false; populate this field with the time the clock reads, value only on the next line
4:35
